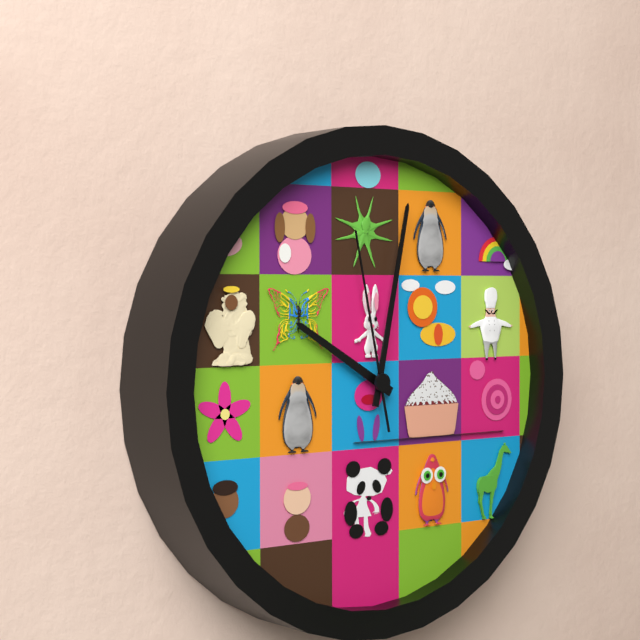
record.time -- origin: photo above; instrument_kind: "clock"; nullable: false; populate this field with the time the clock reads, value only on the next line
10:02:58
